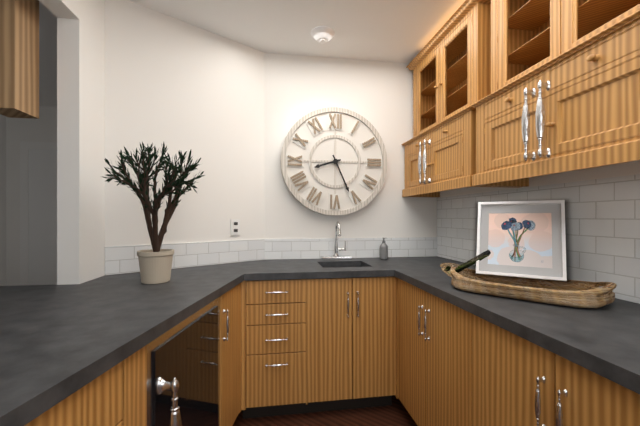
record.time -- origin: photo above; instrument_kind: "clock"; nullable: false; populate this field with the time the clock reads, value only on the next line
8:26
